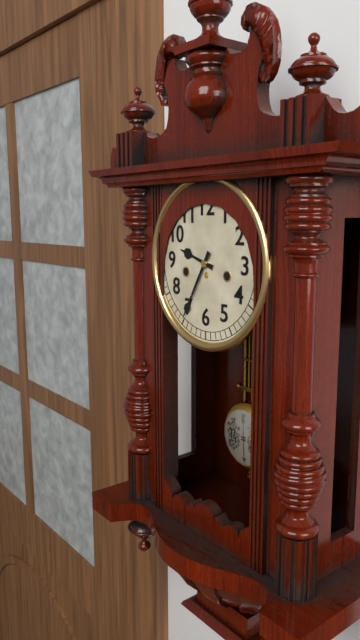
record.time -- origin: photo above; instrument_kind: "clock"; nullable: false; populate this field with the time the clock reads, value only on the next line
9:35
